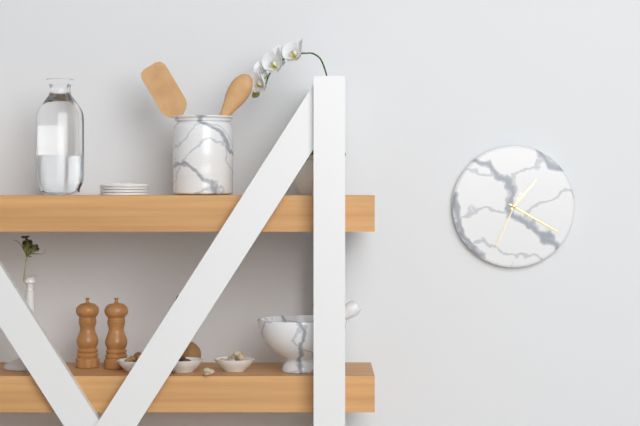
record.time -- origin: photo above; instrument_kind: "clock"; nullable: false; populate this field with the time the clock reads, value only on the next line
1:20:34
